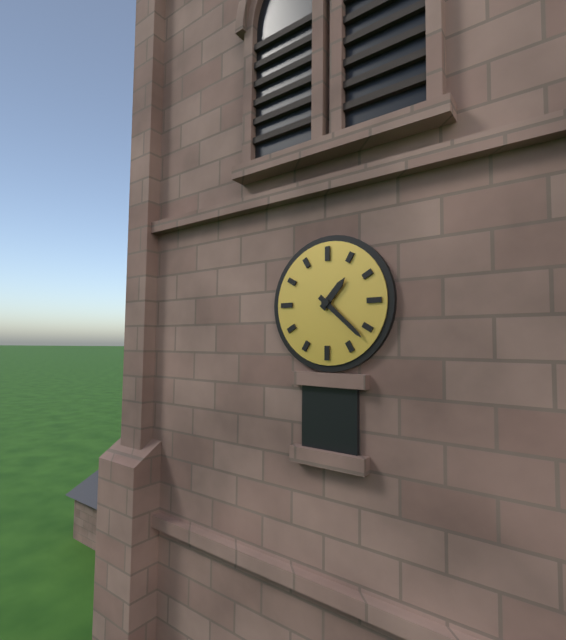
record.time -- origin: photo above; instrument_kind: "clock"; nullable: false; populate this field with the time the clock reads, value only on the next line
1:22
